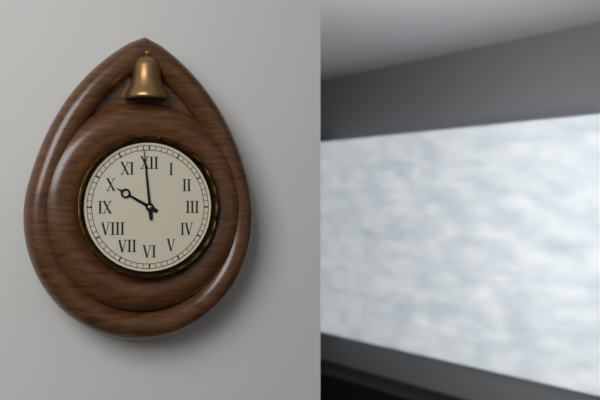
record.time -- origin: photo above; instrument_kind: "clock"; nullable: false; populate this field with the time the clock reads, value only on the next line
9:59
